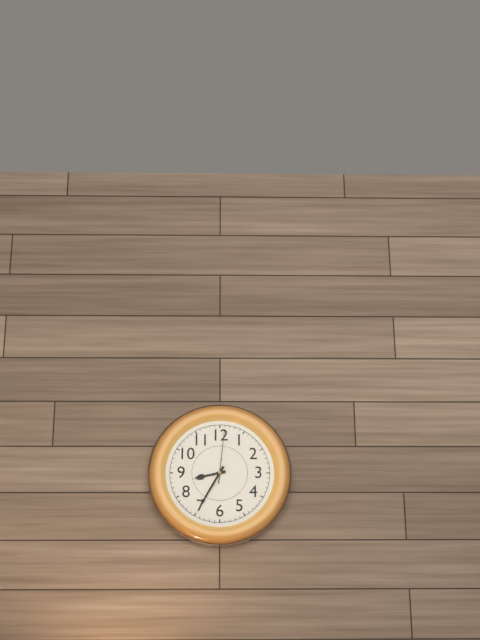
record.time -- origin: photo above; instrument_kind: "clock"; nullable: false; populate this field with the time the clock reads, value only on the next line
8:35:01
